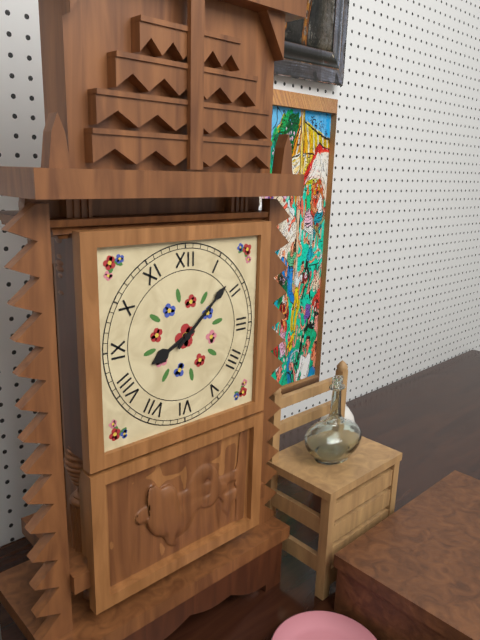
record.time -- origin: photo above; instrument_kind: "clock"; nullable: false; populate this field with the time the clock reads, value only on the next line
8:08
